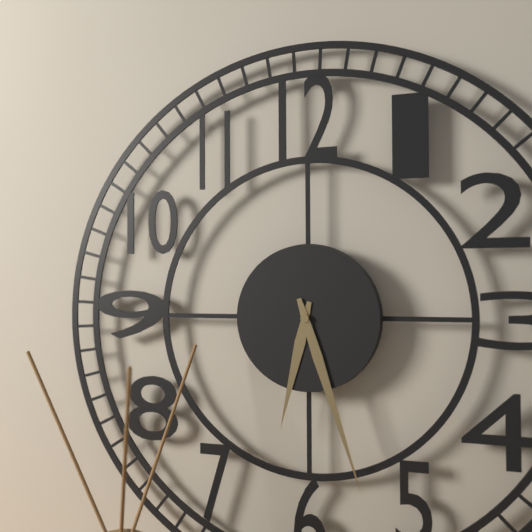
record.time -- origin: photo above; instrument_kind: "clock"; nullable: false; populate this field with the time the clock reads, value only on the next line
6:27
